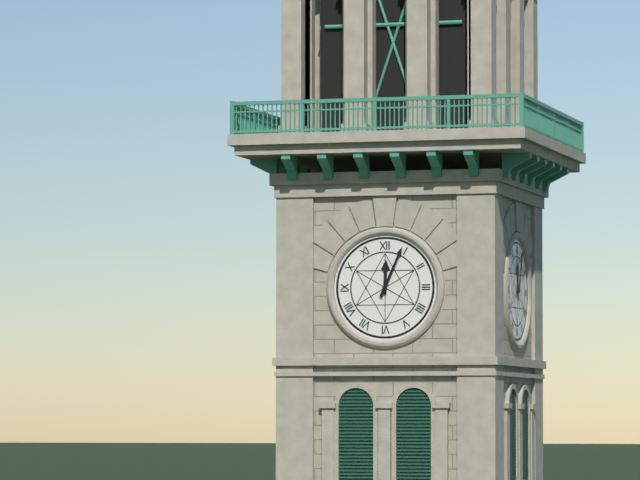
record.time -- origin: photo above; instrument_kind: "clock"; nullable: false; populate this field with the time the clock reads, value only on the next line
12:04
